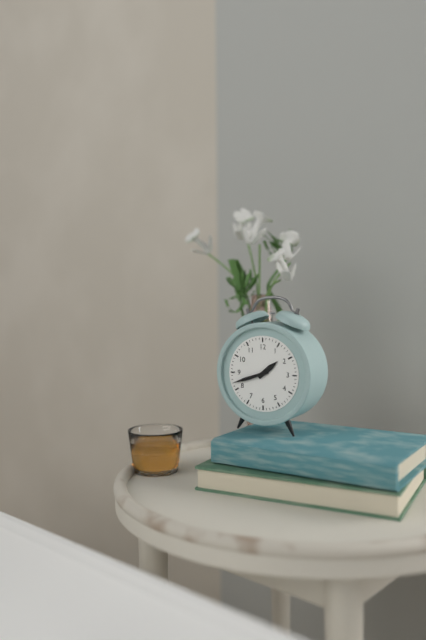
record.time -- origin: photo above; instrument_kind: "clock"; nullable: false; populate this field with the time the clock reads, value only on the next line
1:42
